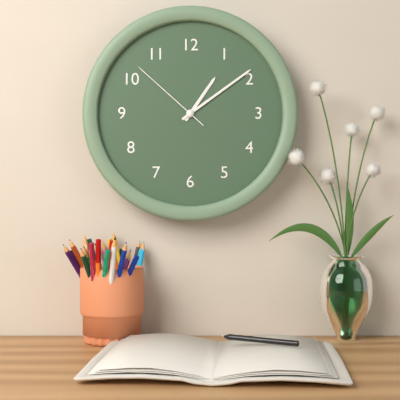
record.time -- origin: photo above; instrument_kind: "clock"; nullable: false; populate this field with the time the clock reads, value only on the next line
1:09:52
